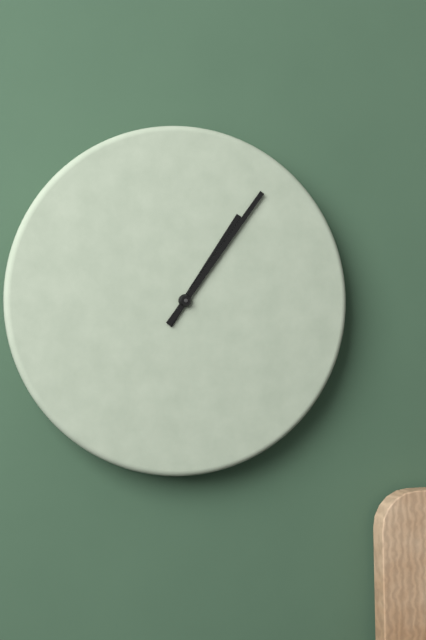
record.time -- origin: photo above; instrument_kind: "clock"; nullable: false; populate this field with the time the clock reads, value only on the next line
1:06
